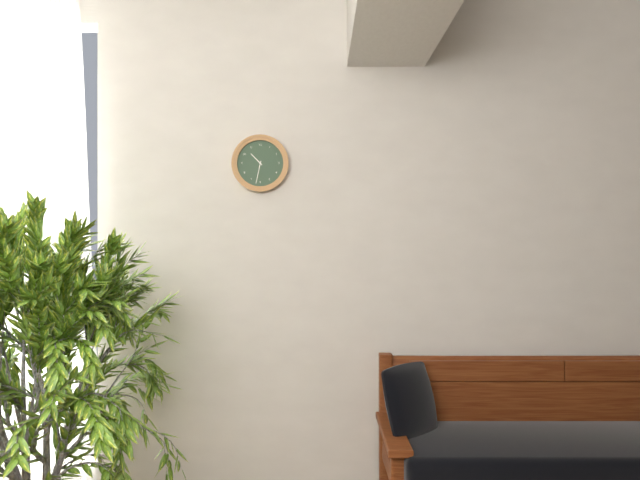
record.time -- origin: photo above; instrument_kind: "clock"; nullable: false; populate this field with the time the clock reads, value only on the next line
10:32
